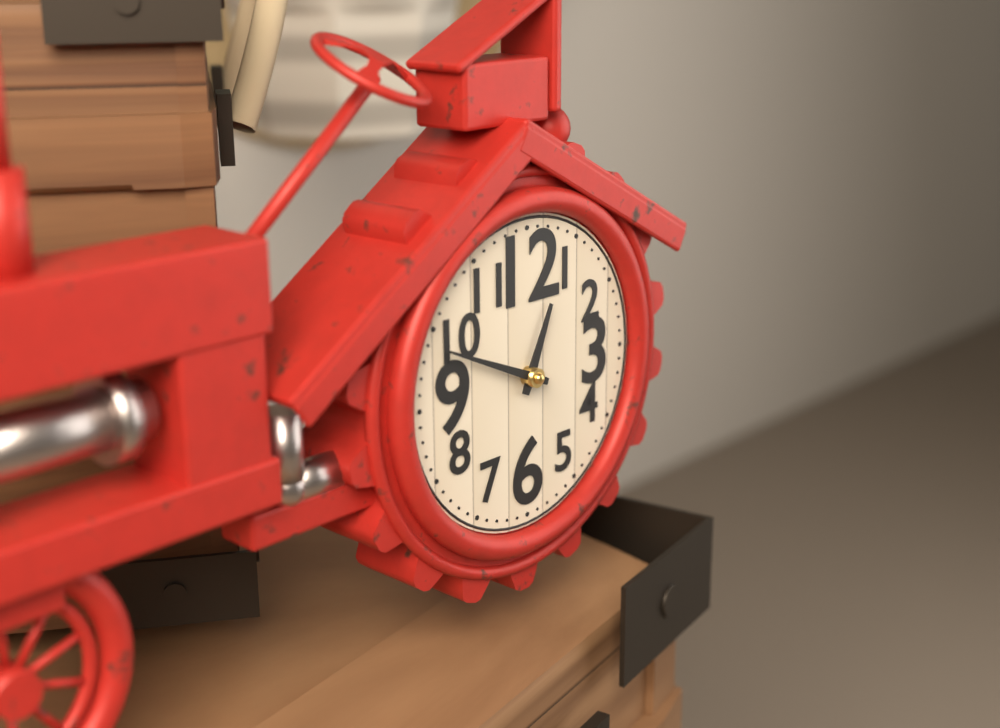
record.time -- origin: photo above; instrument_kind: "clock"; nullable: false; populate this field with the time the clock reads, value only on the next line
12:49
